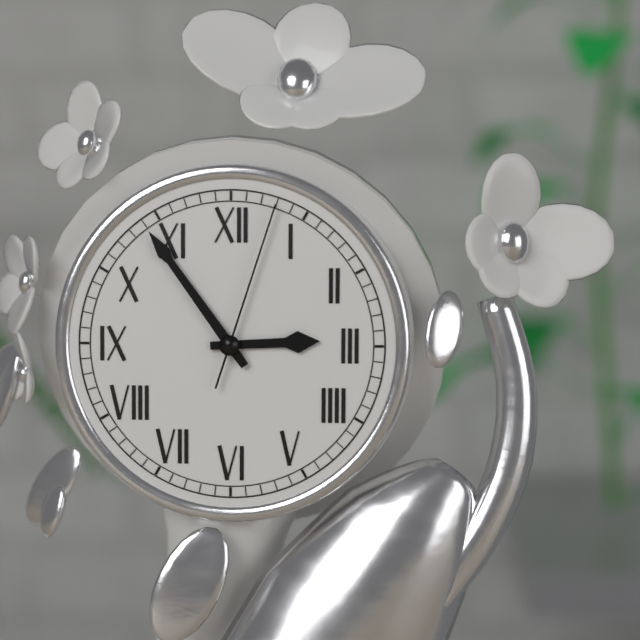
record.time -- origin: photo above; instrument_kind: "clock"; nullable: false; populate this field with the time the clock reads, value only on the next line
2:54:03
